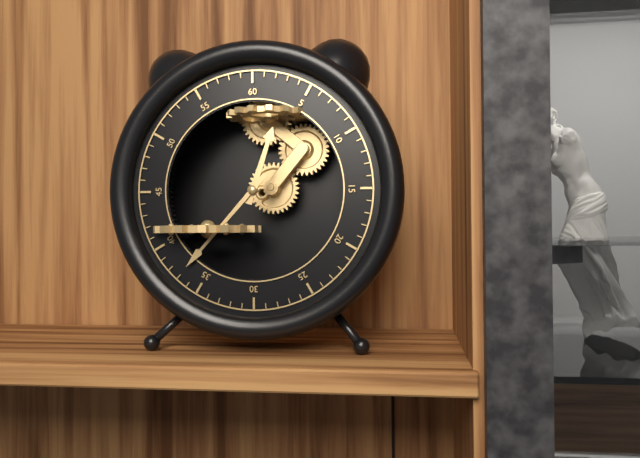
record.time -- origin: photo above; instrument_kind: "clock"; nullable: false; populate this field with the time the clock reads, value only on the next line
12:37
